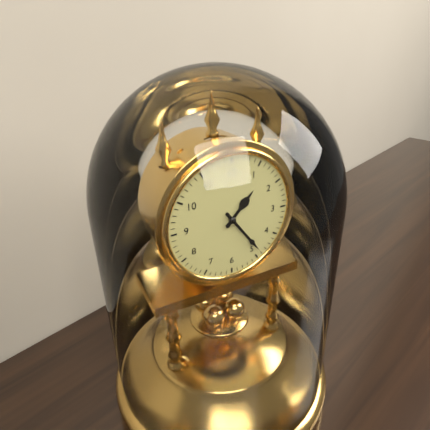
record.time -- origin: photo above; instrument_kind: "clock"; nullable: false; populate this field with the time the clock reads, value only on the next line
1:24
